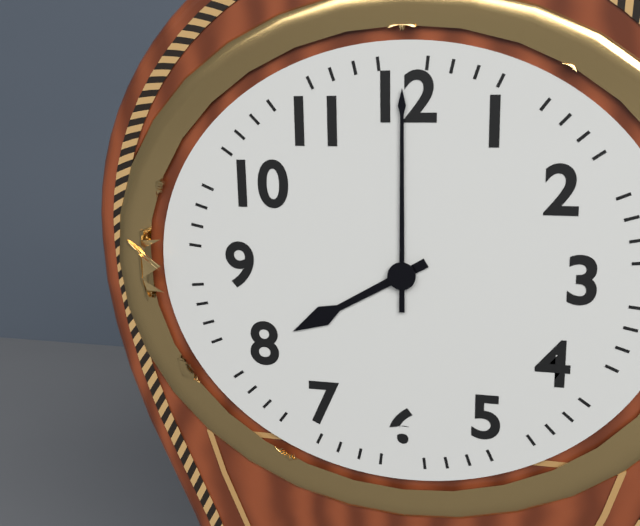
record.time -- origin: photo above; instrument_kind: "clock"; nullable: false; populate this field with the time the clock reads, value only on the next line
8:00
